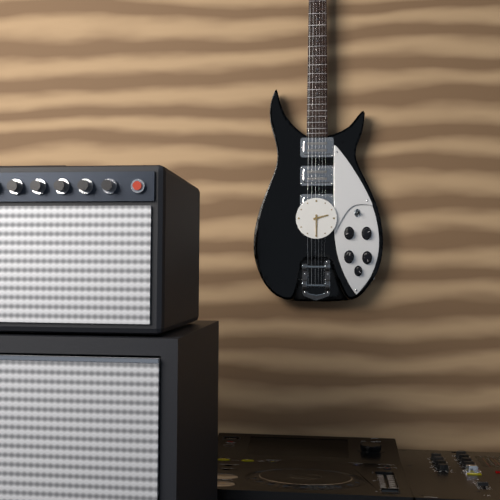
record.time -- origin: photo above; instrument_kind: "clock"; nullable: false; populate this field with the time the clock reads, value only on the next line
2:30
